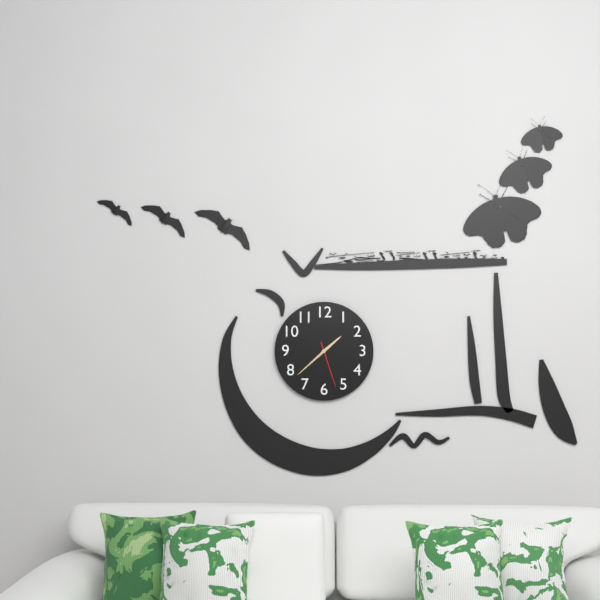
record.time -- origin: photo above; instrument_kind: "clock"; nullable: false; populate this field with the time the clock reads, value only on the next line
1:38
